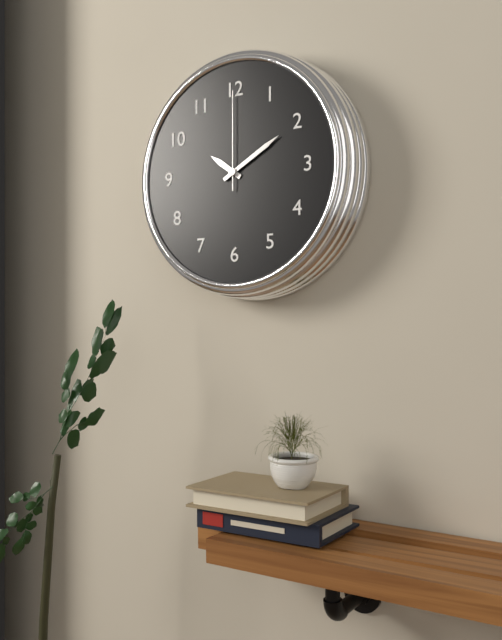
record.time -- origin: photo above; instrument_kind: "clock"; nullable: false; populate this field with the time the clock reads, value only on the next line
10:10:00
